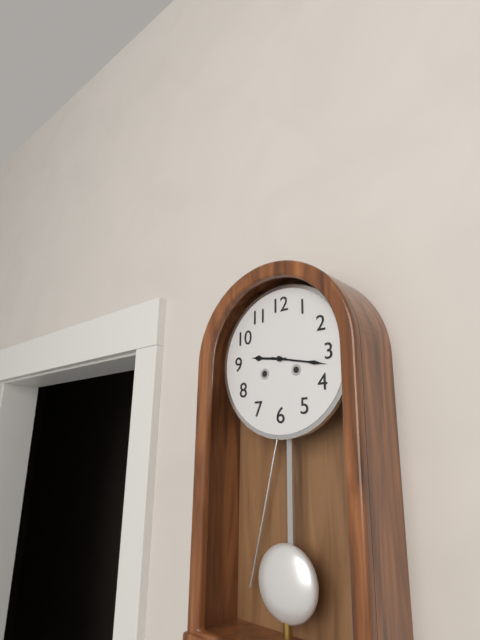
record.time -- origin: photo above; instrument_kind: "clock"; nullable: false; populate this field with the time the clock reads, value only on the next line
9:17
